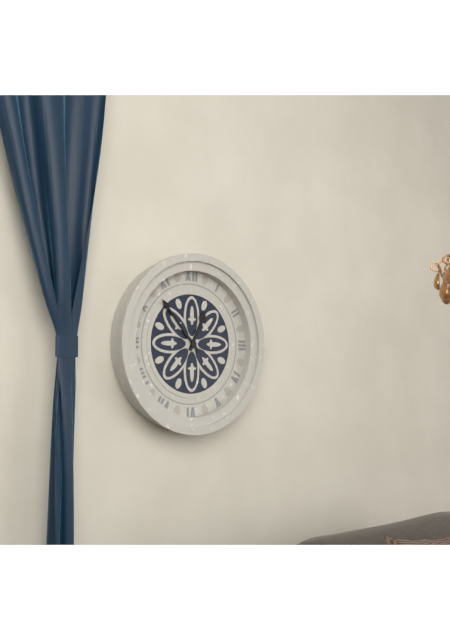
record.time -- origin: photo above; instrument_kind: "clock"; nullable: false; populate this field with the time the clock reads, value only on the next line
12:53
